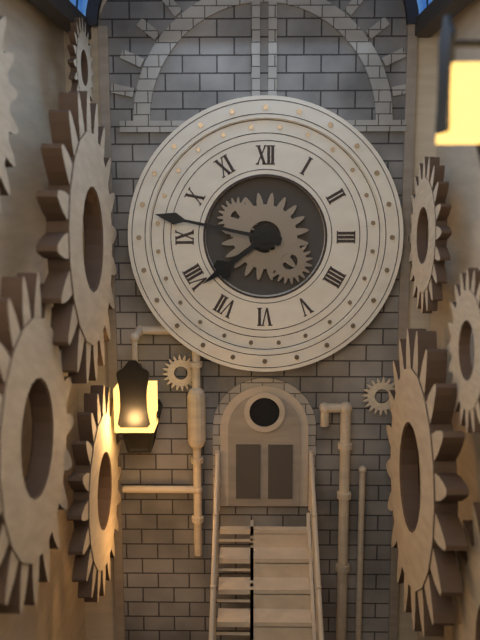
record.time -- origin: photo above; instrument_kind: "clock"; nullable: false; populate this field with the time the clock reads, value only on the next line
7:47
